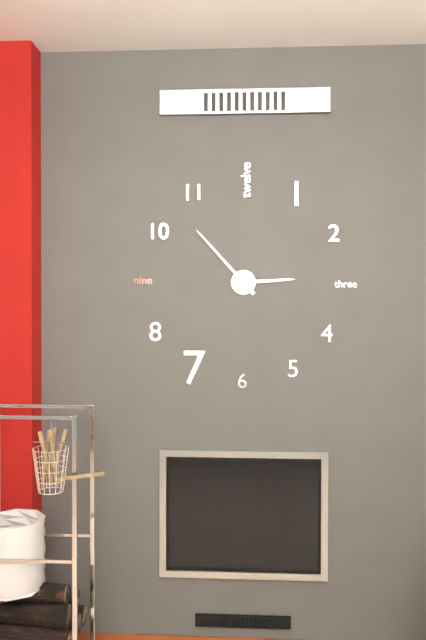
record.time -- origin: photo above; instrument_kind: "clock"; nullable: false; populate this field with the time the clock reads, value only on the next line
2:53
